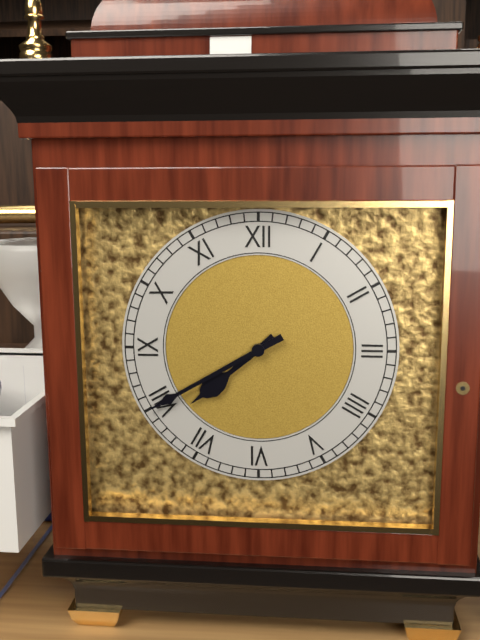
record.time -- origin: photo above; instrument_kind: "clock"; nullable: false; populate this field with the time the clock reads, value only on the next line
7:40
